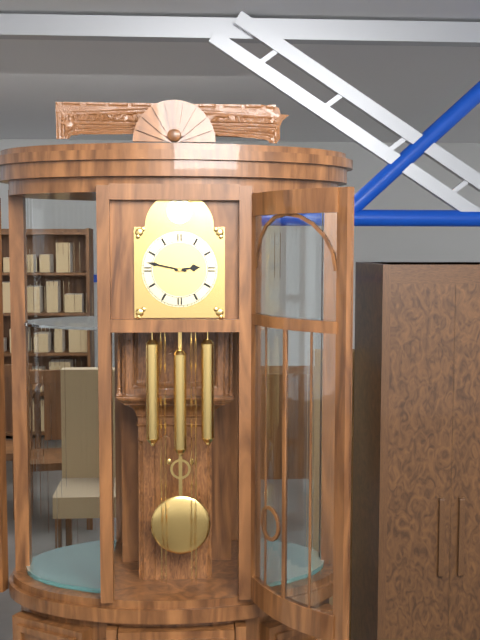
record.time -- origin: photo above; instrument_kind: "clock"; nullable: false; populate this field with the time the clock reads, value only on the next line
2:47
